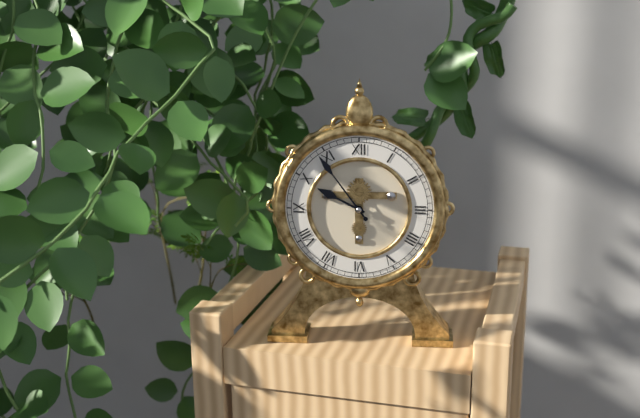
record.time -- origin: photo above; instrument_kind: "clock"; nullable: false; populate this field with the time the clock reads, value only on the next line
9:54
